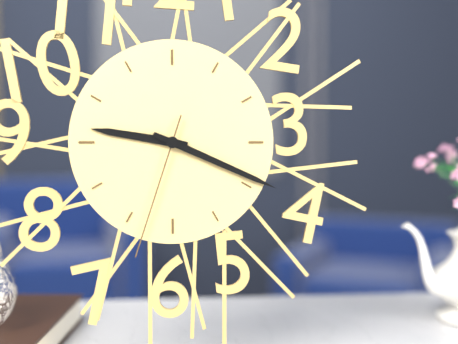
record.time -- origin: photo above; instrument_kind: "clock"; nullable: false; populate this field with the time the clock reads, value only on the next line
9:19:33
